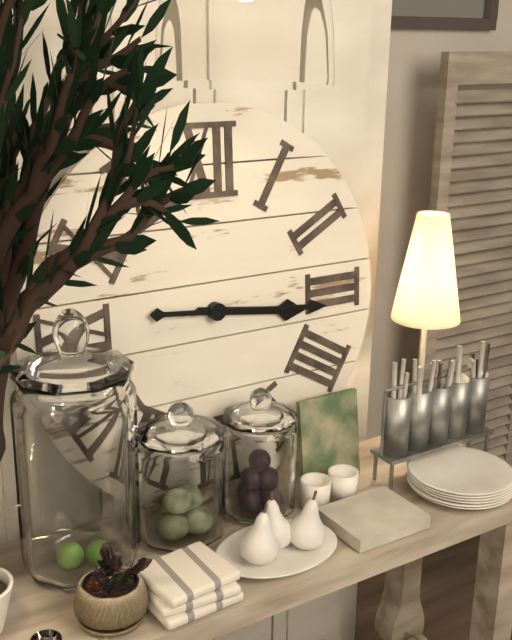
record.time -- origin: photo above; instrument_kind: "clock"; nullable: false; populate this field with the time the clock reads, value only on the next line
3:16
